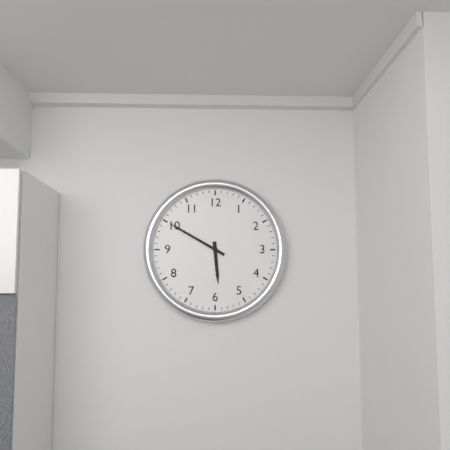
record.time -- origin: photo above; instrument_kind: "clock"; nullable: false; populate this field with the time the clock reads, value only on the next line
5:50
